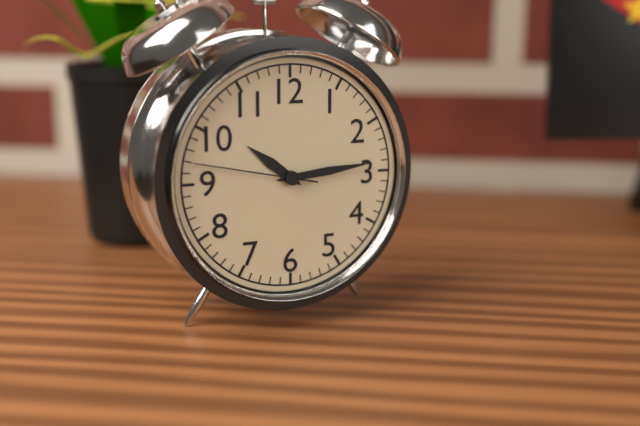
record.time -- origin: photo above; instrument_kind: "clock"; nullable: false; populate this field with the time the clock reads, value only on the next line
10:14:47
